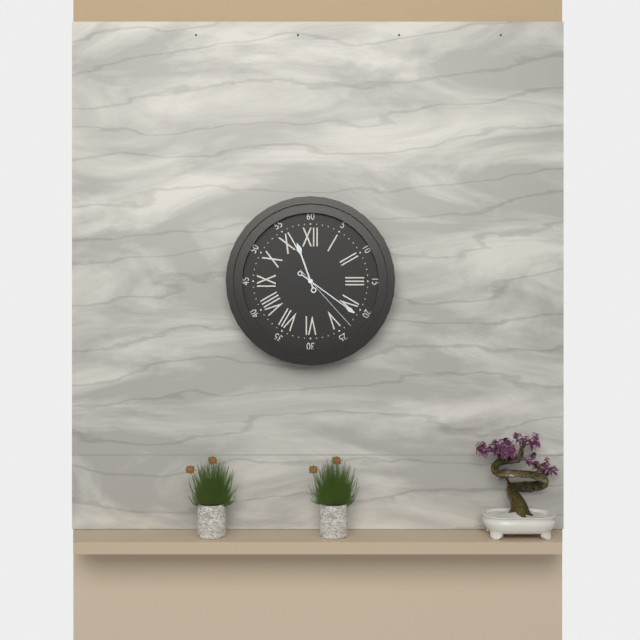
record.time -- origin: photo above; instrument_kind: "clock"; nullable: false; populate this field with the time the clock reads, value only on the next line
11:21:23
